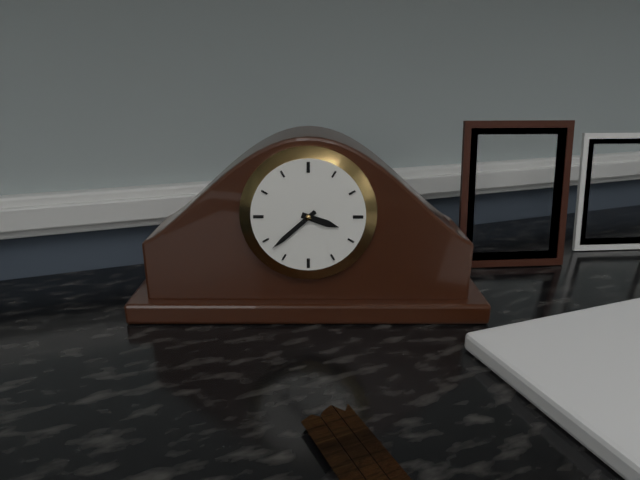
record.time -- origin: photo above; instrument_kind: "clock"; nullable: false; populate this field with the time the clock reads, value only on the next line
3:38
